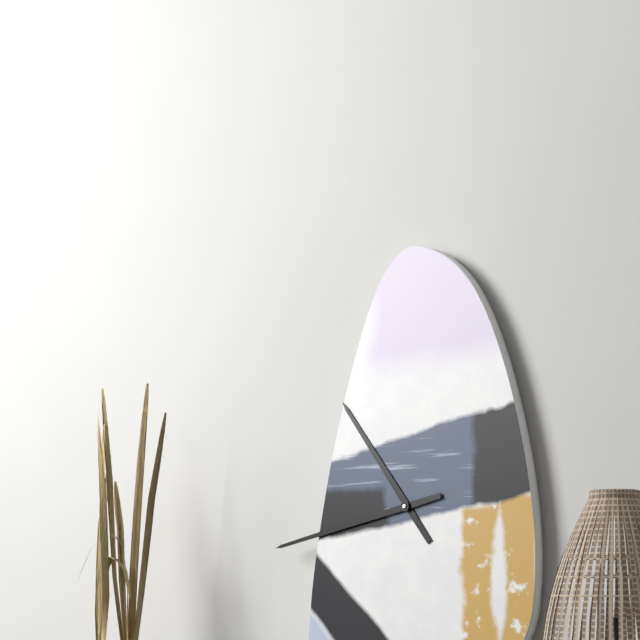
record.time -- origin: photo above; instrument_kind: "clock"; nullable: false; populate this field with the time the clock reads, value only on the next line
10:43
